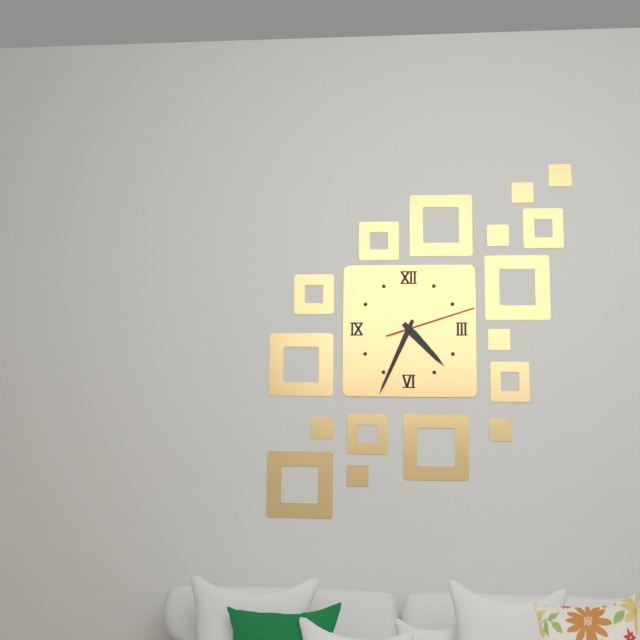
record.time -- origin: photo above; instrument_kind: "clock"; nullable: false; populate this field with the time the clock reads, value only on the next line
4:34:12
